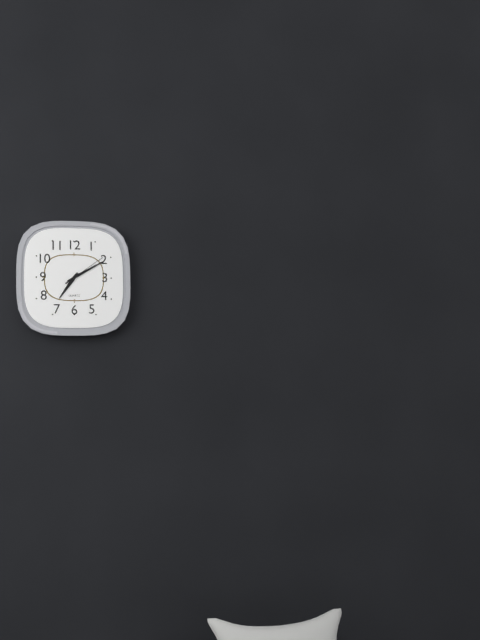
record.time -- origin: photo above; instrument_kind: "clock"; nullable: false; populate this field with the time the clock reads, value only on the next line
7:10
